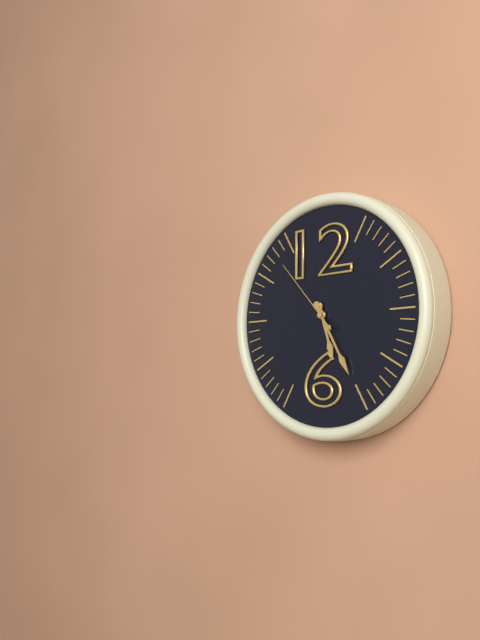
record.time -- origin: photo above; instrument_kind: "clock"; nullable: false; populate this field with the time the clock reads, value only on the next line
5:25:53
